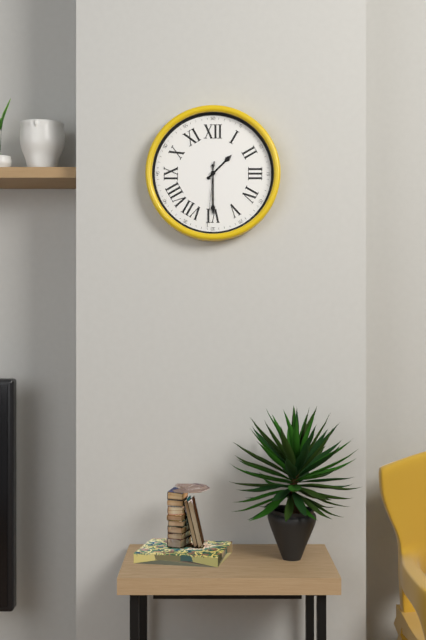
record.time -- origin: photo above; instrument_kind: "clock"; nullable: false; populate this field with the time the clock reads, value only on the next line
1:30:31
